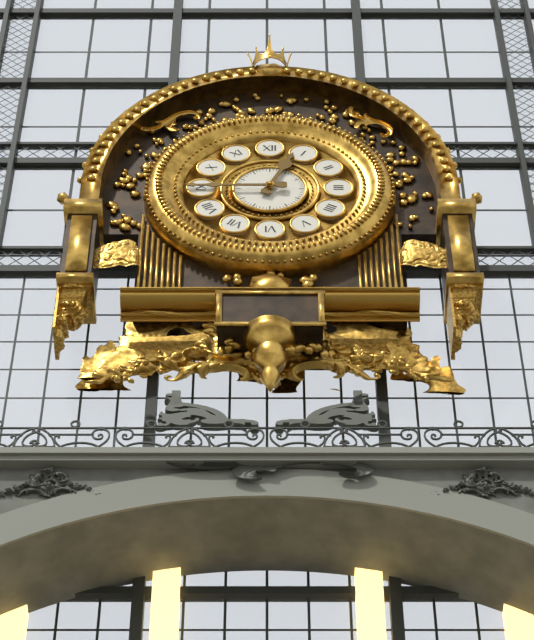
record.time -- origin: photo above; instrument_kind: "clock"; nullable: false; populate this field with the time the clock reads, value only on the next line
12:45
